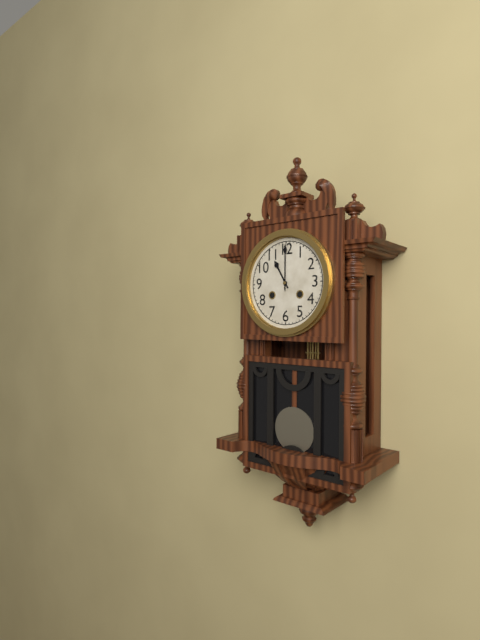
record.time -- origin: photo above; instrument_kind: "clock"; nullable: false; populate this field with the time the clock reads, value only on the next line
11:00
